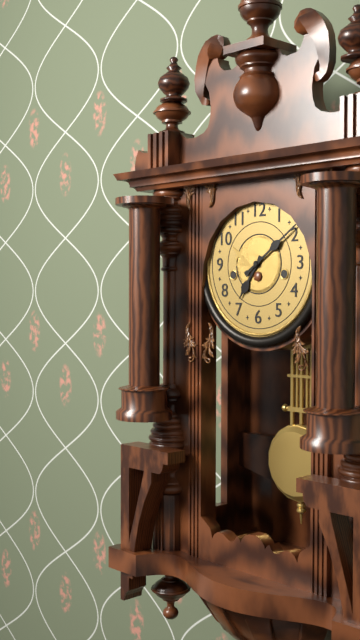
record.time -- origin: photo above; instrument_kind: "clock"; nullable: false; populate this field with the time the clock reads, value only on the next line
7:09
